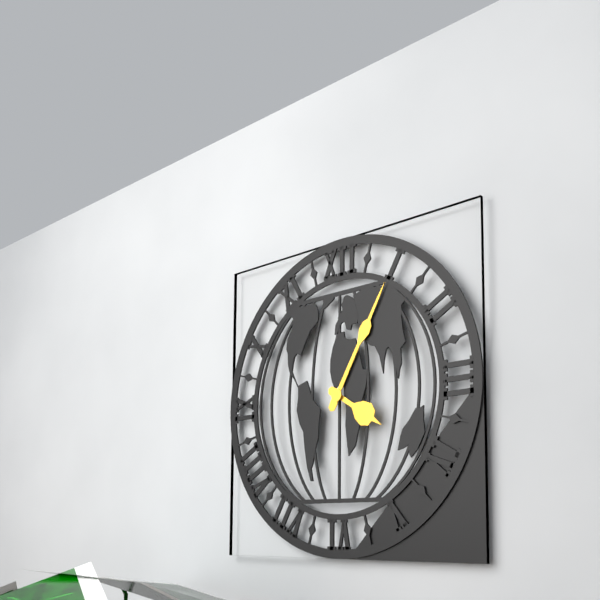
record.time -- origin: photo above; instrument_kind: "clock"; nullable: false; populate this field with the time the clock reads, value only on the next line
4:05
